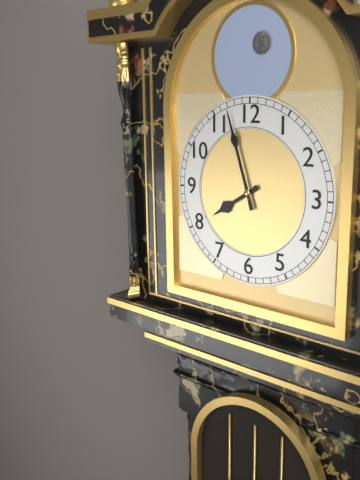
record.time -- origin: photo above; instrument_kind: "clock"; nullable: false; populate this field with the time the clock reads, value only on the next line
7:57
